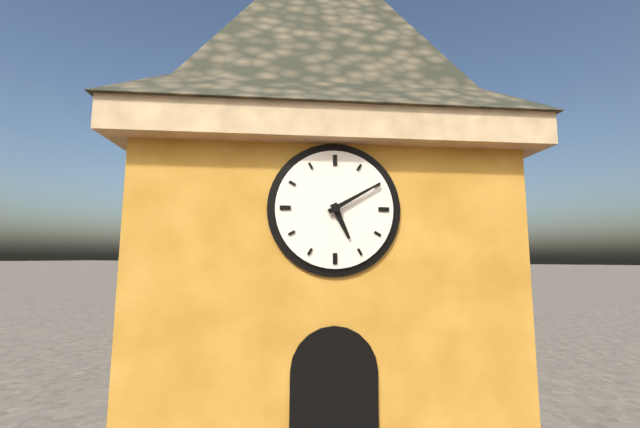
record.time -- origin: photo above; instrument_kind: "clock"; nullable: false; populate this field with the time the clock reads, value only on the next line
5:10
